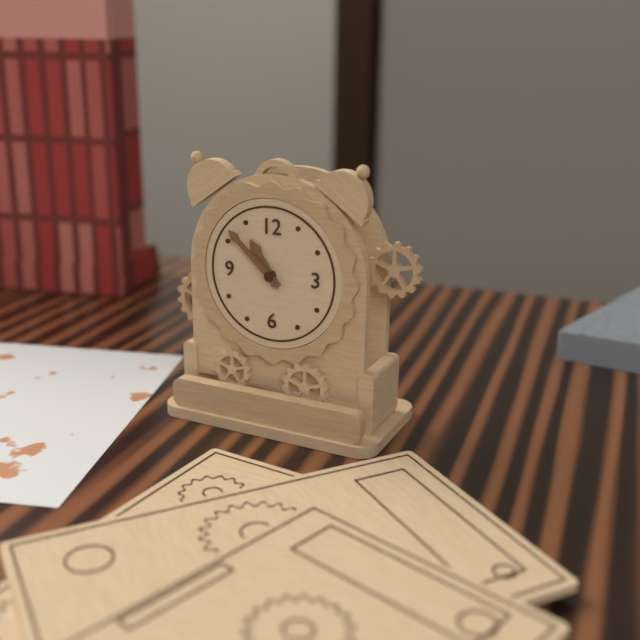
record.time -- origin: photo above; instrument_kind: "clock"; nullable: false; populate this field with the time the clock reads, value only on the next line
10:52
